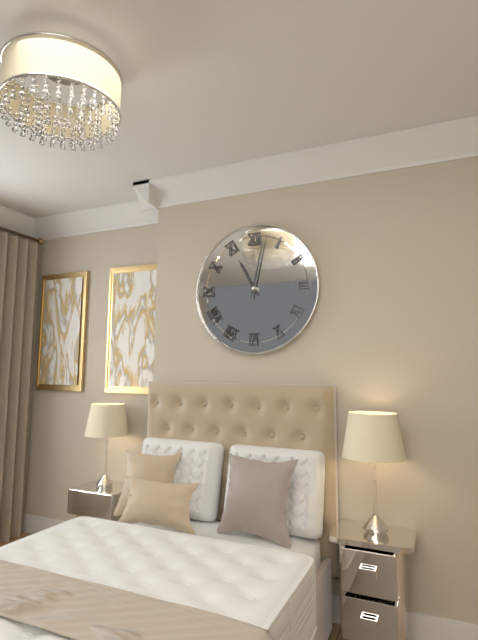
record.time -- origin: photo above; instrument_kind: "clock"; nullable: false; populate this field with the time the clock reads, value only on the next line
11:02
